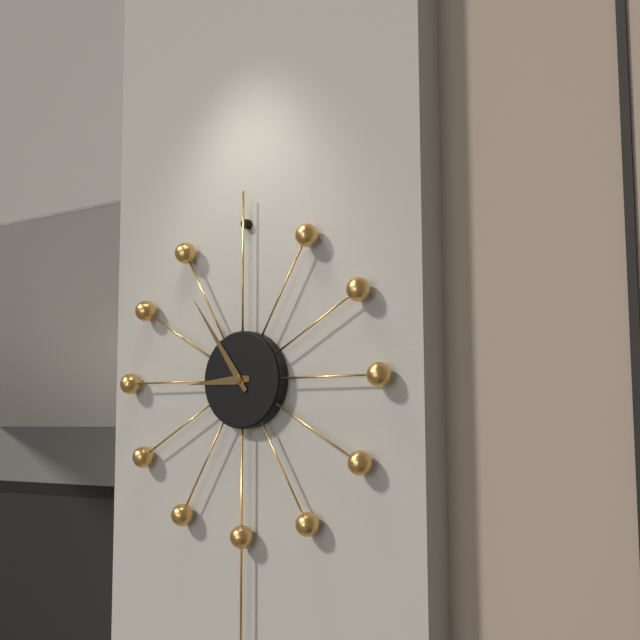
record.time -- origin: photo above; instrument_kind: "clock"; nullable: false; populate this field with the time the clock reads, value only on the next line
8:54
